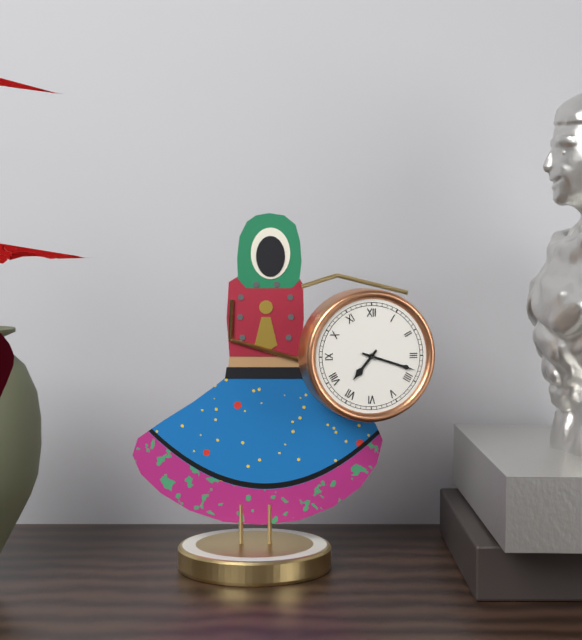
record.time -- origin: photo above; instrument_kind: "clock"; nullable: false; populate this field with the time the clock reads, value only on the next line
7:18
